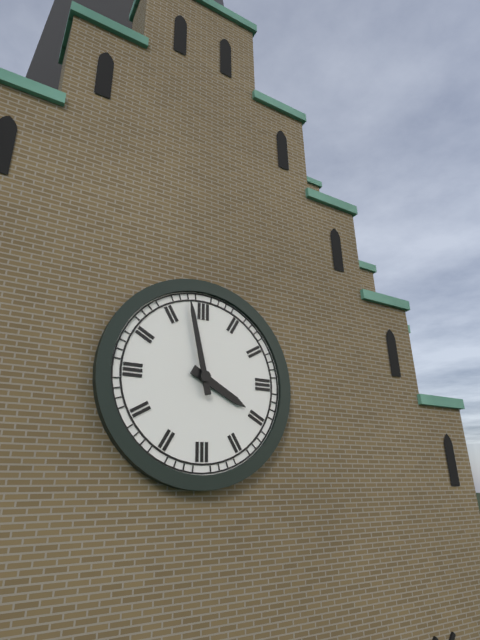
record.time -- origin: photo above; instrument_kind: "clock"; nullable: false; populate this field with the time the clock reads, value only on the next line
3:58
